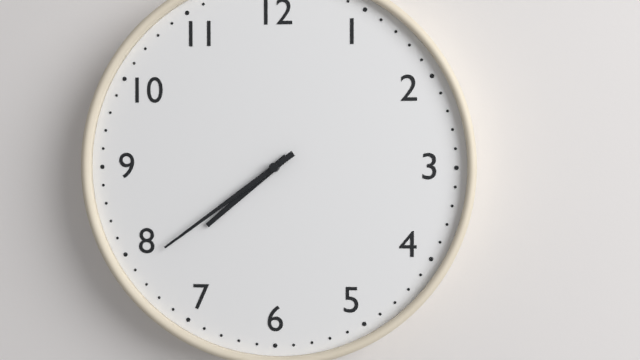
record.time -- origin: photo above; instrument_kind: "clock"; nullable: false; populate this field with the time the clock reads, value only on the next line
7:39
